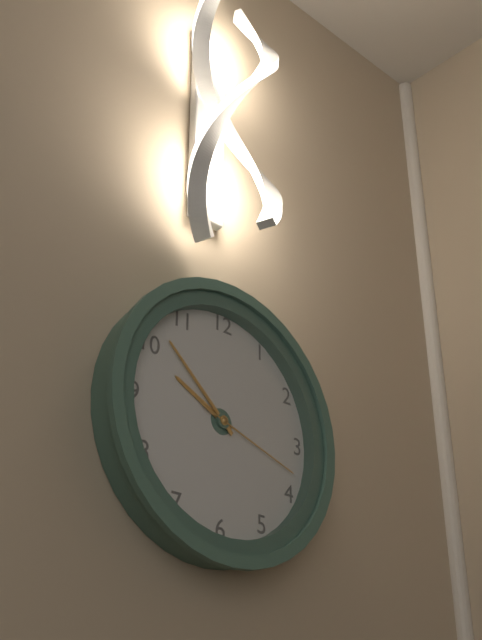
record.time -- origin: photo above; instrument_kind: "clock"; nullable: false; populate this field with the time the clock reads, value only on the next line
9:52:18
